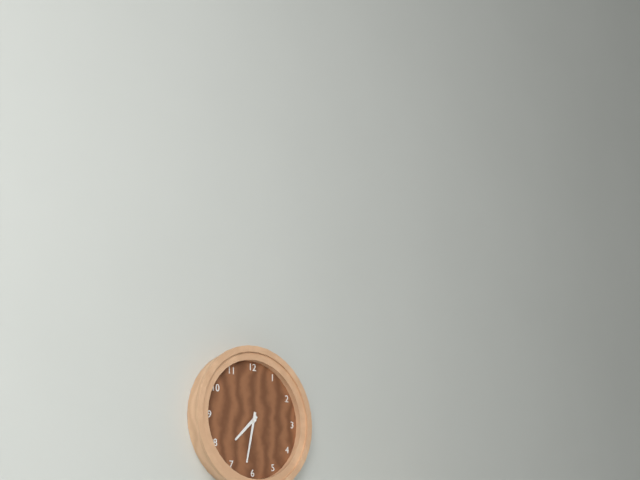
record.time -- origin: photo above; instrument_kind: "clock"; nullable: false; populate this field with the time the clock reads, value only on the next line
7:32
